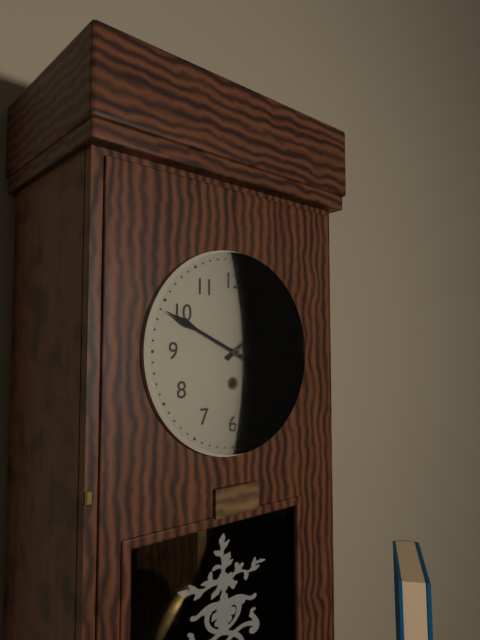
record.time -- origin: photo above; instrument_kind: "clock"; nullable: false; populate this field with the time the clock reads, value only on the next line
1:49
